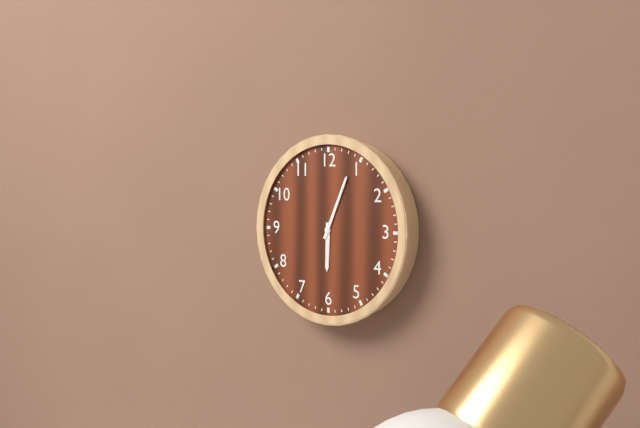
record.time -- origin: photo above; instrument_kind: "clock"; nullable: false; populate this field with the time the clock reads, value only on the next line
6:04
